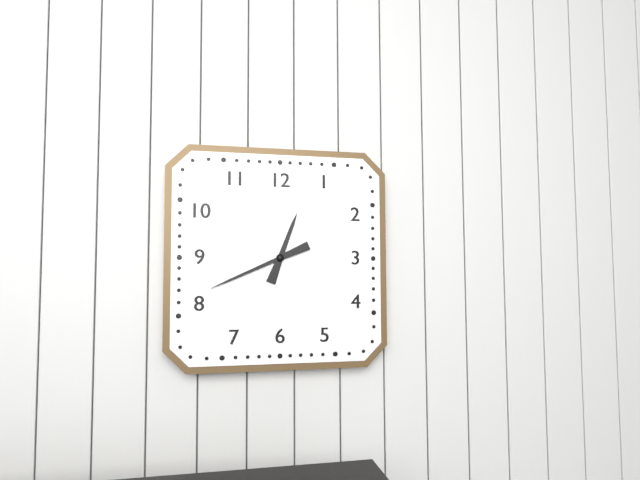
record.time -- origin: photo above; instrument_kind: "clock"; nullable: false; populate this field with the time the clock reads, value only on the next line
12:41
